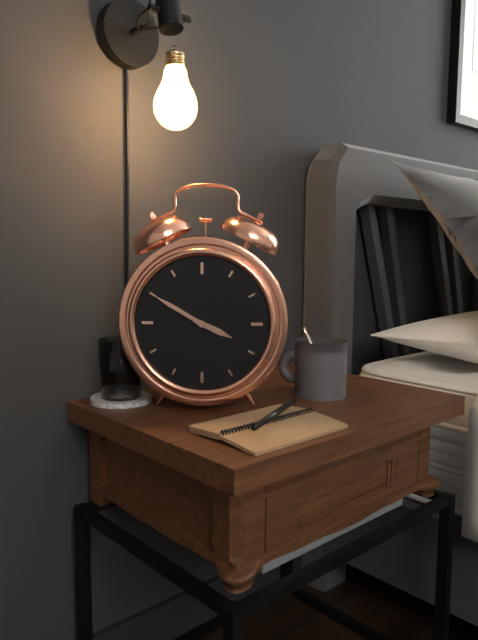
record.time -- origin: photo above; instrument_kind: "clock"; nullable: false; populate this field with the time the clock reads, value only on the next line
3:50
